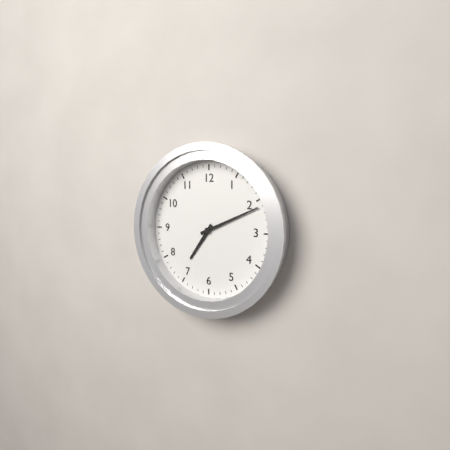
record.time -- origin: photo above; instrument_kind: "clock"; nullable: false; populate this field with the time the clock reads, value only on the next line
7:11
